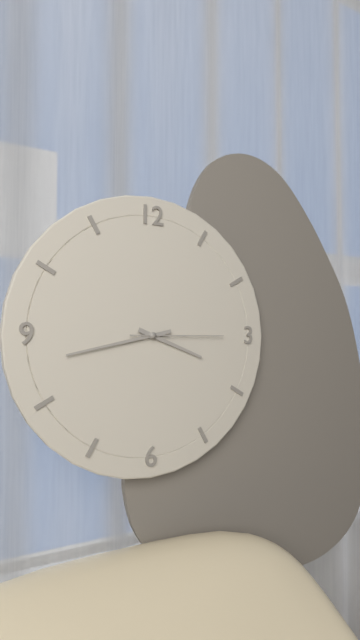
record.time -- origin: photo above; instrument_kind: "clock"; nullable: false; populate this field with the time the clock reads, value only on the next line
3:43:15
